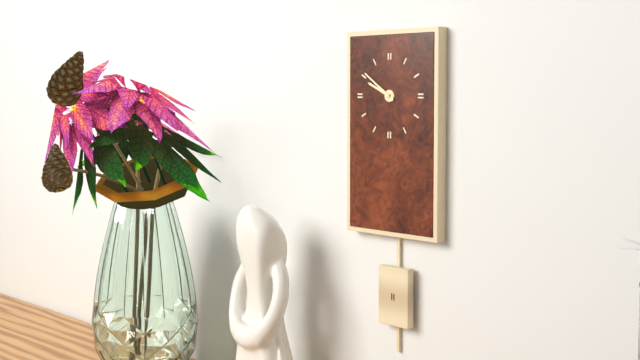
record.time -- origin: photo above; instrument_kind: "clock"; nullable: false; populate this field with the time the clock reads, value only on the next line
9:51
